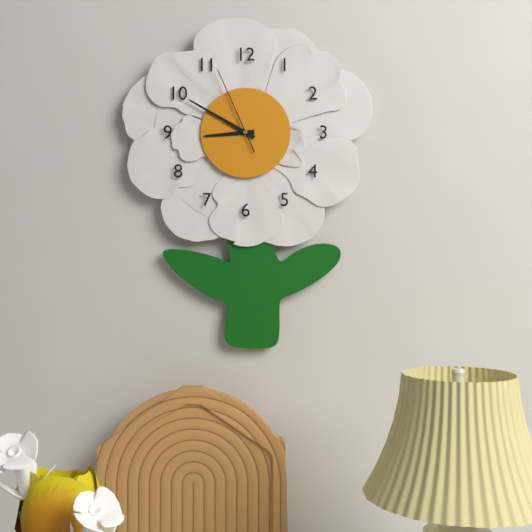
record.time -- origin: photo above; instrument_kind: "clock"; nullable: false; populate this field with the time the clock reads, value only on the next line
8:50:56
